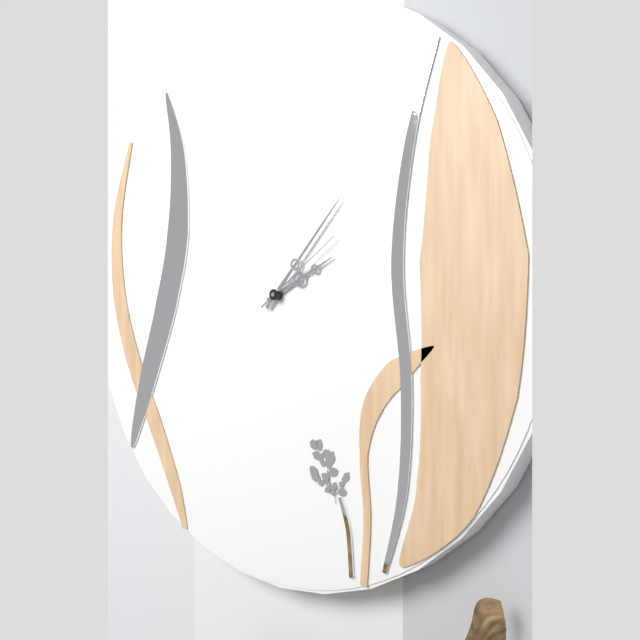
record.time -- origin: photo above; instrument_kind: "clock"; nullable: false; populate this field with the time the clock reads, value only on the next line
2:07:09
